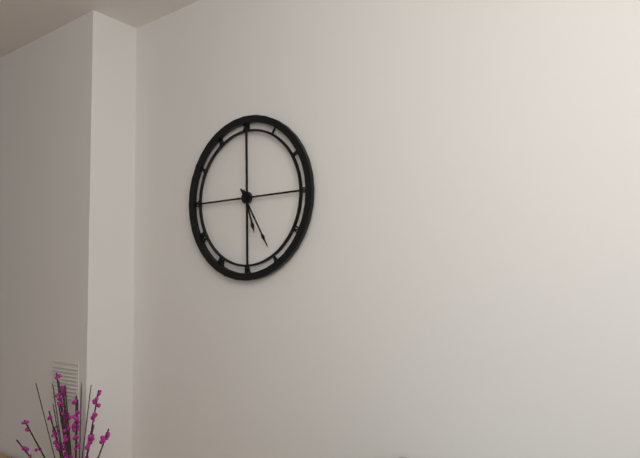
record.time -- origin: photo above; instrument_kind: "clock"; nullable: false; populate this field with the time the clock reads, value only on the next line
5:25
